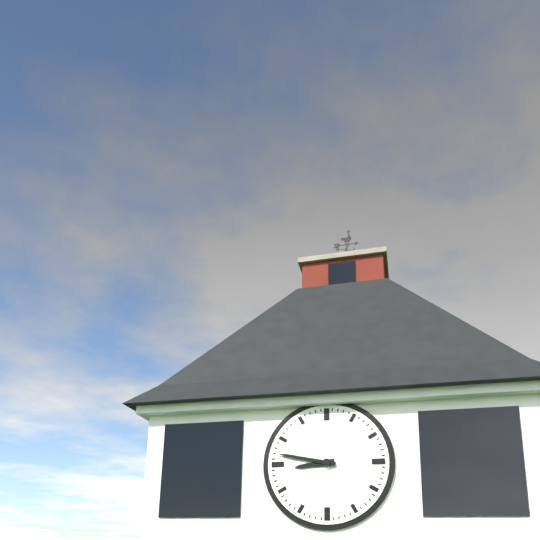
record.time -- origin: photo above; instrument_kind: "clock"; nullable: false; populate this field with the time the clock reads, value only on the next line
8:47
